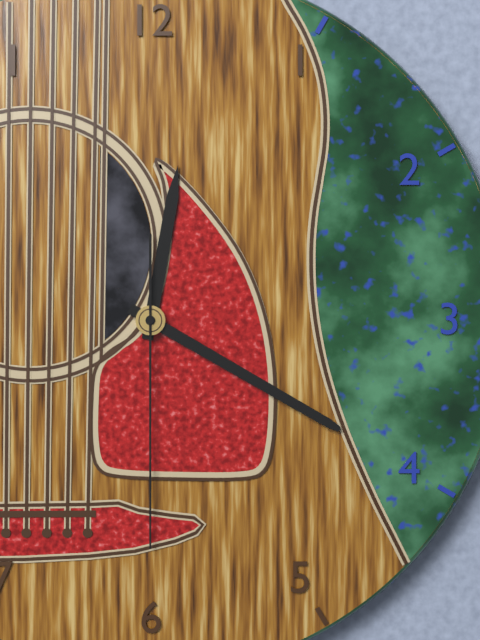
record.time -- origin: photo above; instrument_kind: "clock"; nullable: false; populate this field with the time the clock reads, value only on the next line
12:20:30
